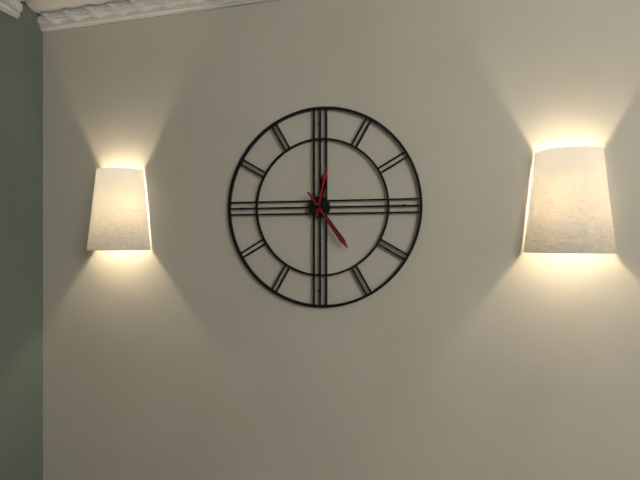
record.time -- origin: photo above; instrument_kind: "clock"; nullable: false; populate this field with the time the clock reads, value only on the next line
12:24
